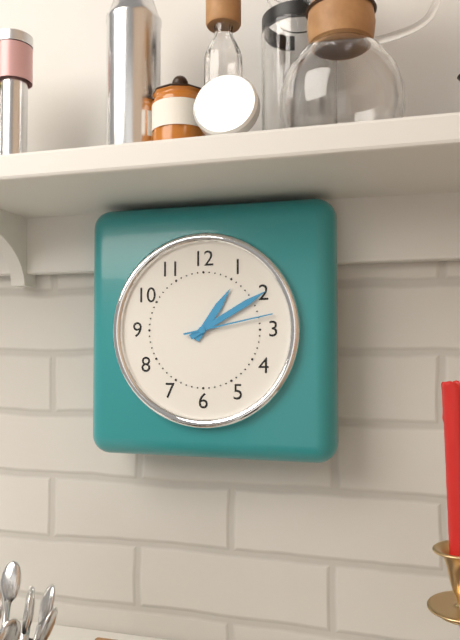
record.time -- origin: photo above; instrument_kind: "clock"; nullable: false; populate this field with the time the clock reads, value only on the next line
1:10:13
